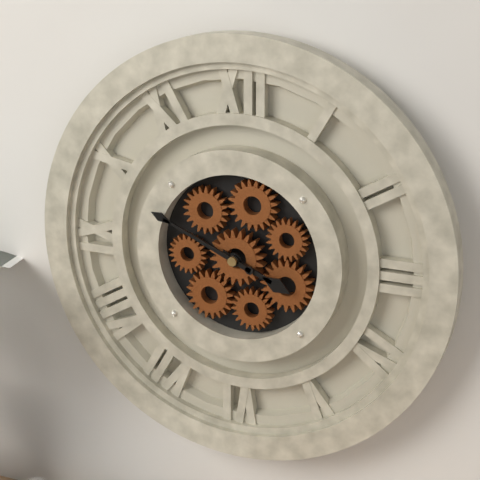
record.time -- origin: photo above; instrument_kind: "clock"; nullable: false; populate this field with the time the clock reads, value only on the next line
3:49
